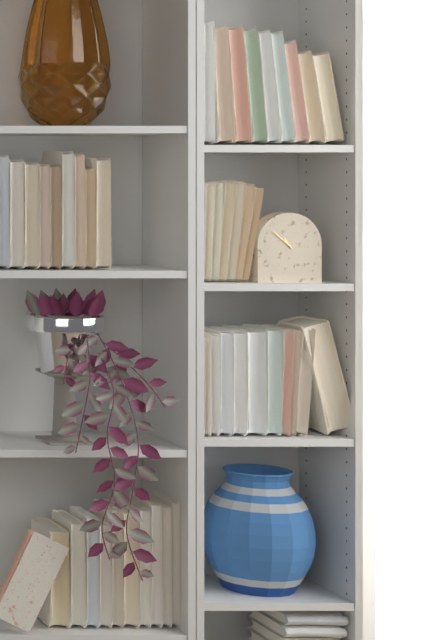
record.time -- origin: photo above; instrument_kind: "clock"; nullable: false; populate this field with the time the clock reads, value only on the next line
10:52
